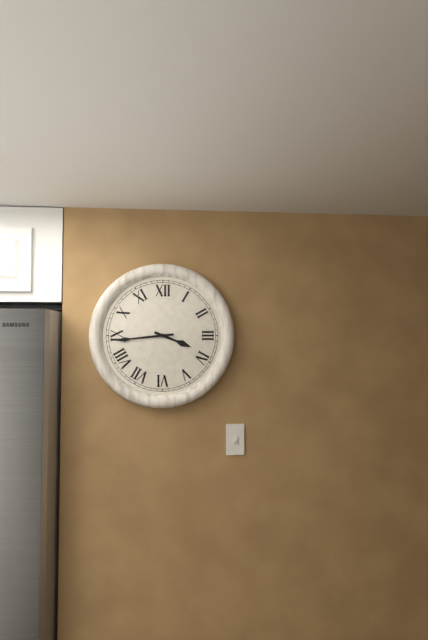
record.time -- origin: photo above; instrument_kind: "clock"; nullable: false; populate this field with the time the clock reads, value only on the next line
3:44
